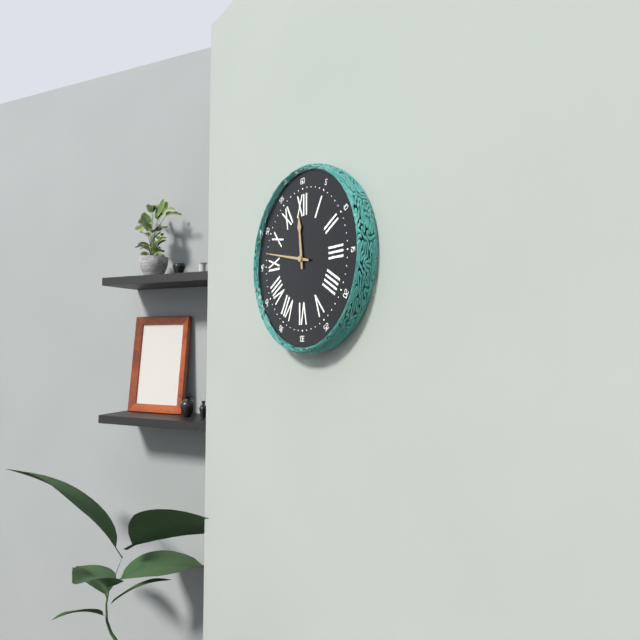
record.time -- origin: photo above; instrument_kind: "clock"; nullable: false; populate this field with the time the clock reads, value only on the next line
11:47
